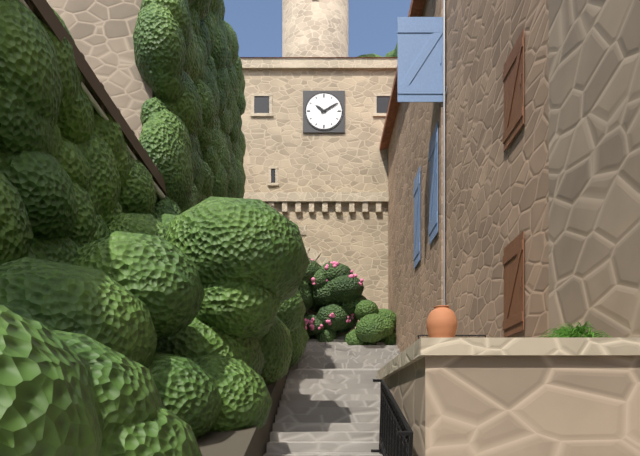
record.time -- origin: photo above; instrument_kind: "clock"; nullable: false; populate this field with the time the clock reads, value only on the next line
10:10
